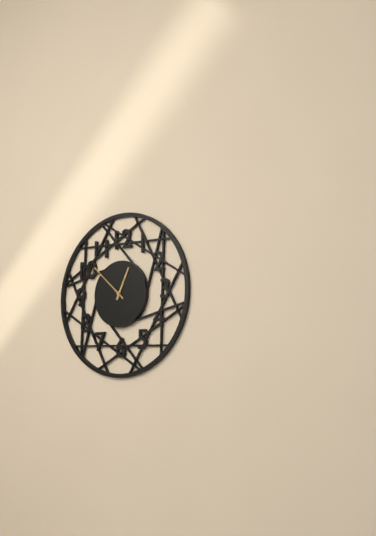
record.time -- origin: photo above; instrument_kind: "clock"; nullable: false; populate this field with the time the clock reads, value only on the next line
12:52
